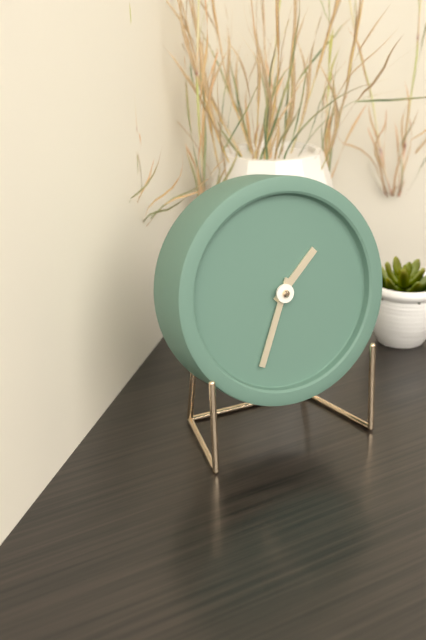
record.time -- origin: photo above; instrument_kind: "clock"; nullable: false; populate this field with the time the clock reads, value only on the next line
1:34
